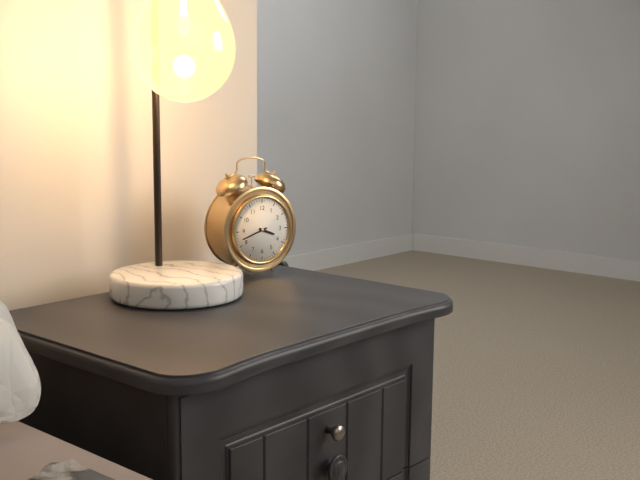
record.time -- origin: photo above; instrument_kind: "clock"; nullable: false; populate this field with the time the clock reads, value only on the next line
3:42
